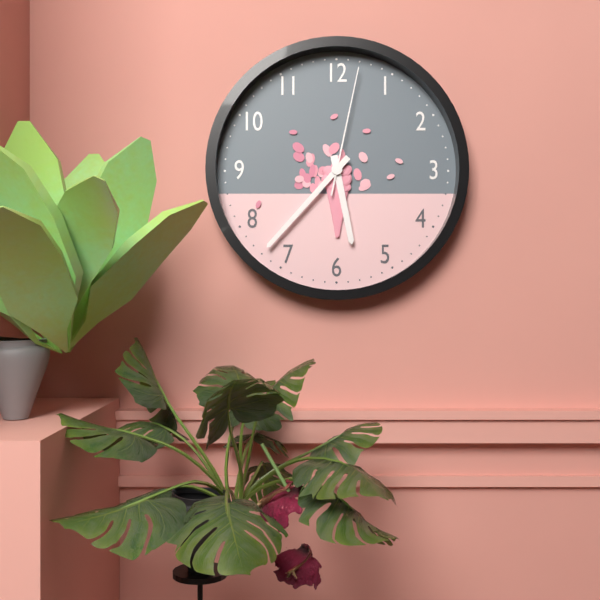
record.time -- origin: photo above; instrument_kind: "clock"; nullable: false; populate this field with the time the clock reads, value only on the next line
5:37:02
